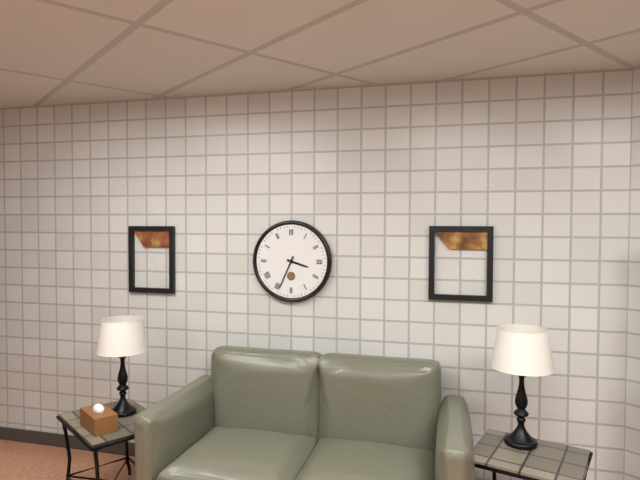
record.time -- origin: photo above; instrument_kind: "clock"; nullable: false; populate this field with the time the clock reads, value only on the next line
3:34
